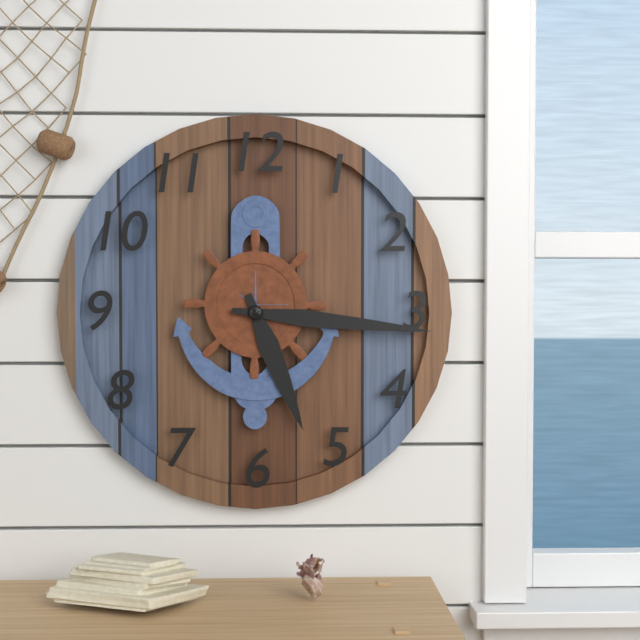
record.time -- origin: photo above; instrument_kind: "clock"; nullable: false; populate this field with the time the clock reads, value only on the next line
5:16
